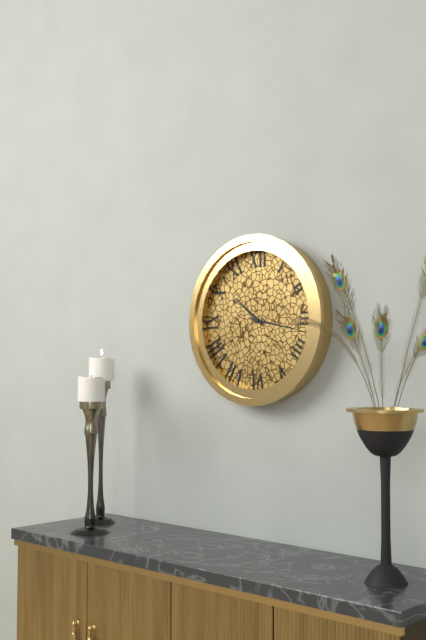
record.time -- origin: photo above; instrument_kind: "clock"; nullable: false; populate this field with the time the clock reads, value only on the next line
10:17
